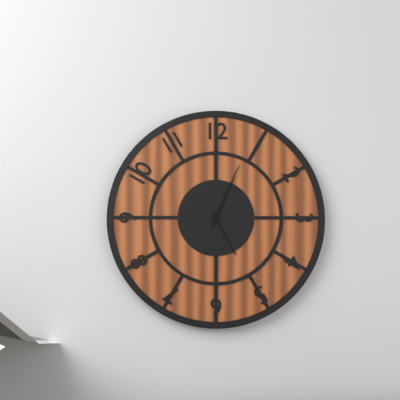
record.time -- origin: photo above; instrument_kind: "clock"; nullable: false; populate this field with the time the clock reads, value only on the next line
5:04
